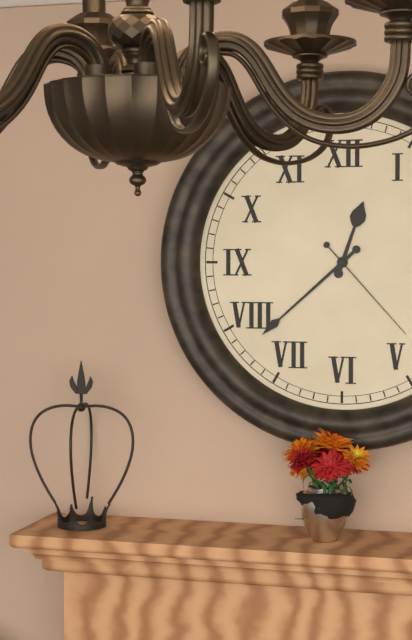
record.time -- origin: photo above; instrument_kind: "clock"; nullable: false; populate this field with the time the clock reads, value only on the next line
12:38:23
